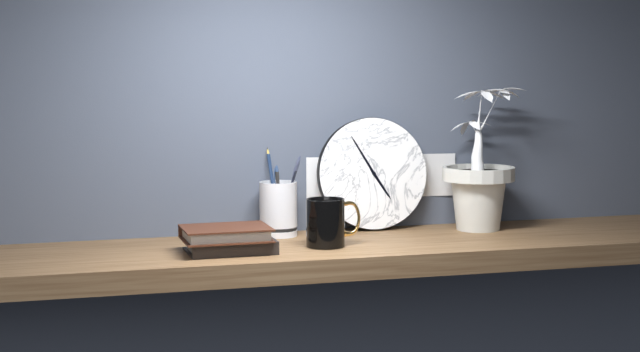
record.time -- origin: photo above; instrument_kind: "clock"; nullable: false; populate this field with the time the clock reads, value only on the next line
4:55
